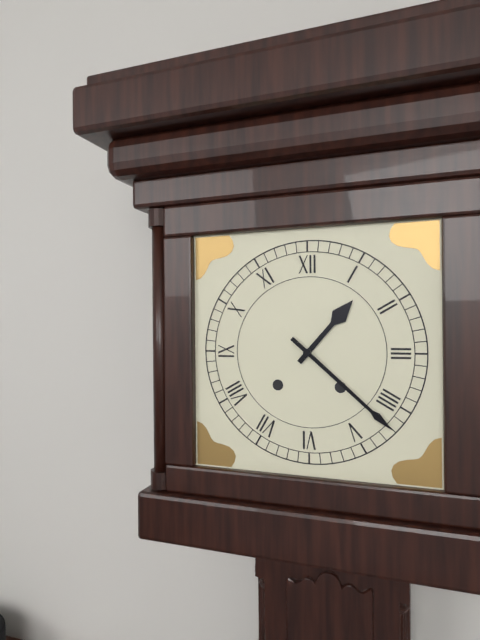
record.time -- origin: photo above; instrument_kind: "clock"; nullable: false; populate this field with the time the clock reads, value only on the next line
1:22
